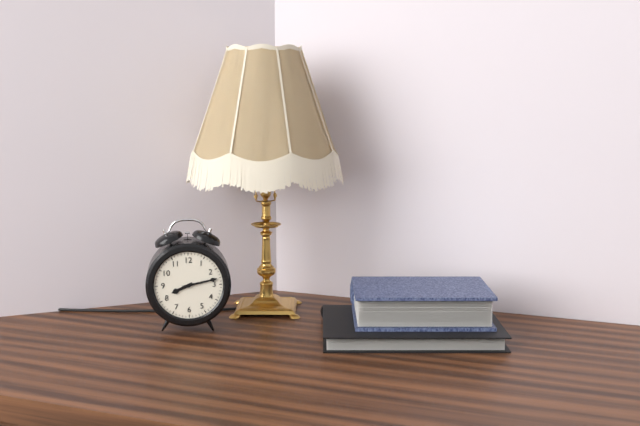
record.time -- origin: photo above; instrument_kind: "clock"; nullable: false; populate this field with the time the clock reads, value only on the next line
8:13
